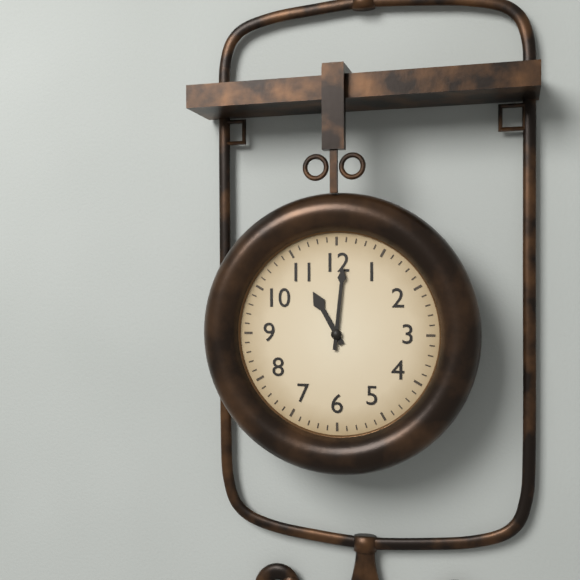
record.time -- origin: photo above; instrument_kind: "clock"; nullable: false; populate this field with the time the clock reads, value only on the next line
11:01
